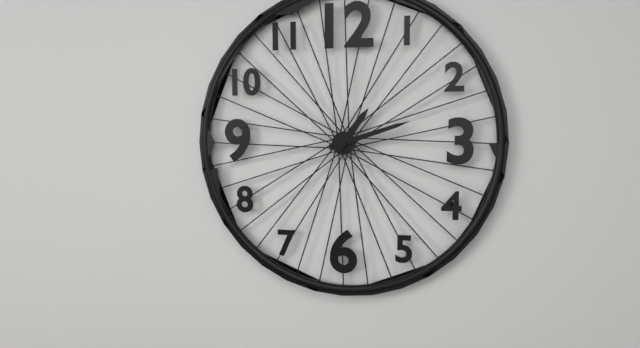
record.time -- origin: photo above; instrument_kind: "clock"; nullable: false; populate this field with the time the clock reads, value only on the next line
1:12
